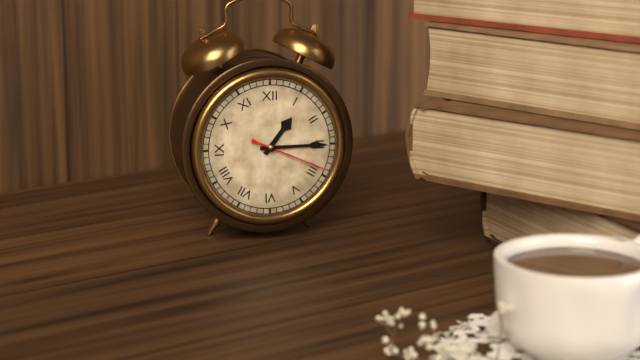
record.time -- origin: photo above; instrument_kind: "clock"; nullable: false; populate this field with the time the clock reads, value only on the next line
1:15:19
